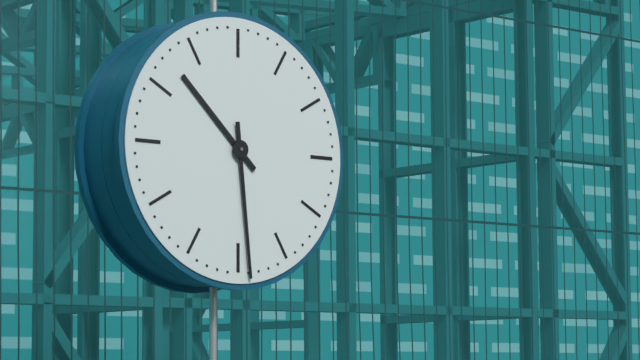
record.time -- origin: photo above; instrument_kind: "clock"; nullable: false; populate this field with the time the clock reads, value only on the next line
10:29
